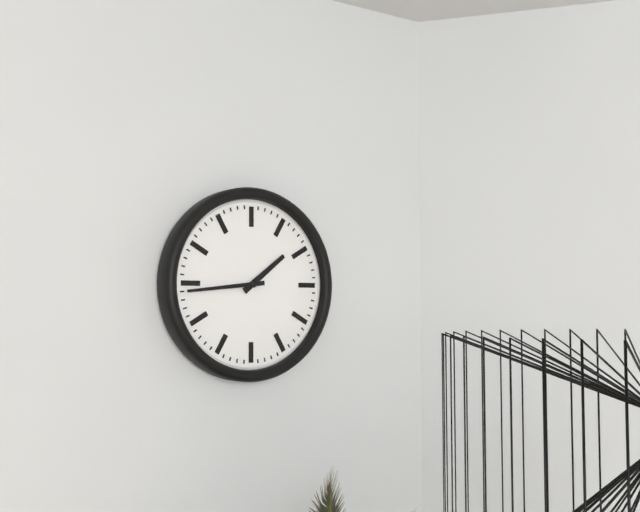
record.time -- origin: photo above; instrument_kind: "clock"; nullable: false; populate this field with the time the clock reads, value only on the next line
1:44
